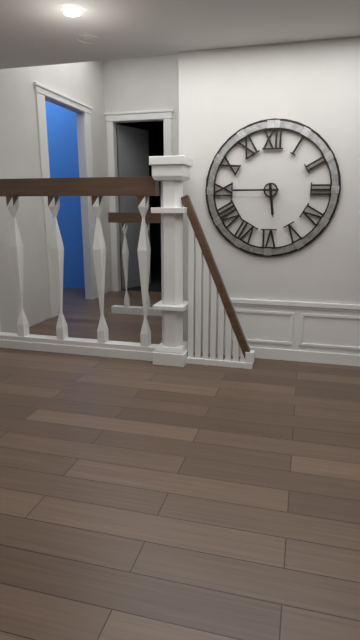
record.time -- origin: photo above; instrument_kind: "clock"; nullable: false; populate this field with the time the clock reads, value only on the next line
5:45
